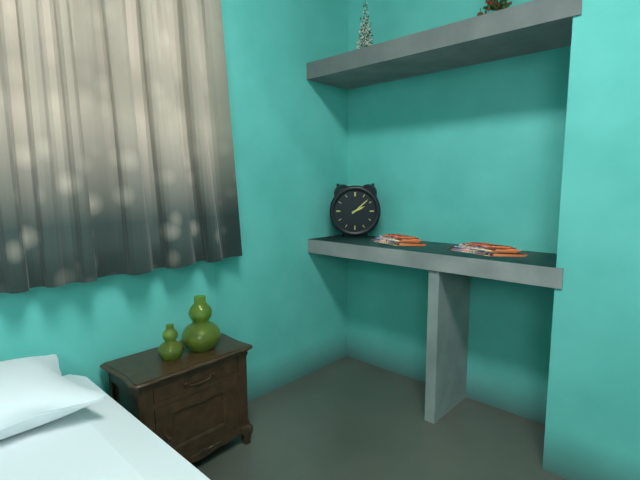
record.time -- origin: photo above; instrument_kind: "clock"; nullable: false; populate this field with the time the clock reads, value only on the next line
2:08
